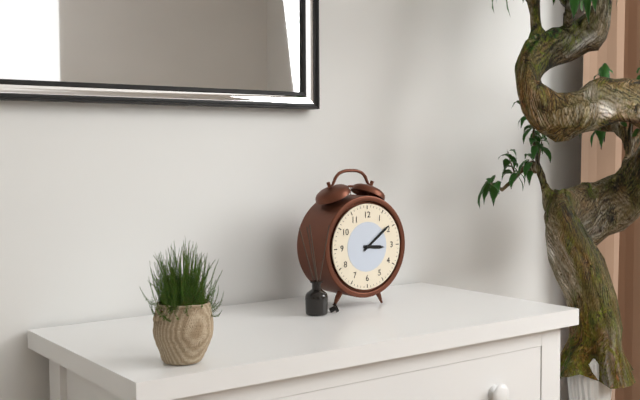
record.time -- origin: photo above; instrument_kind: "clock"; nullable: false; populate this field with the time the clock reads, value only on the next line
3:09
